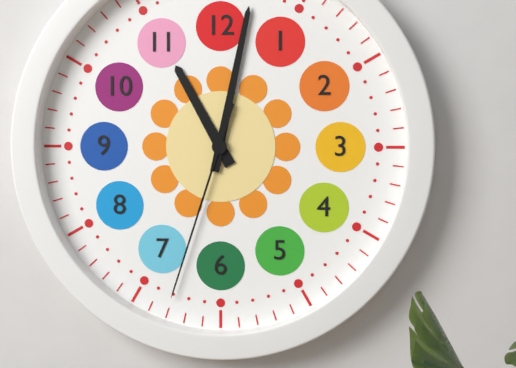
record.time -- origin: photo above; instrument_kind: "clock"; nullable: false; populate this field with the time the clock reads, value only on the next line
11:02:33
